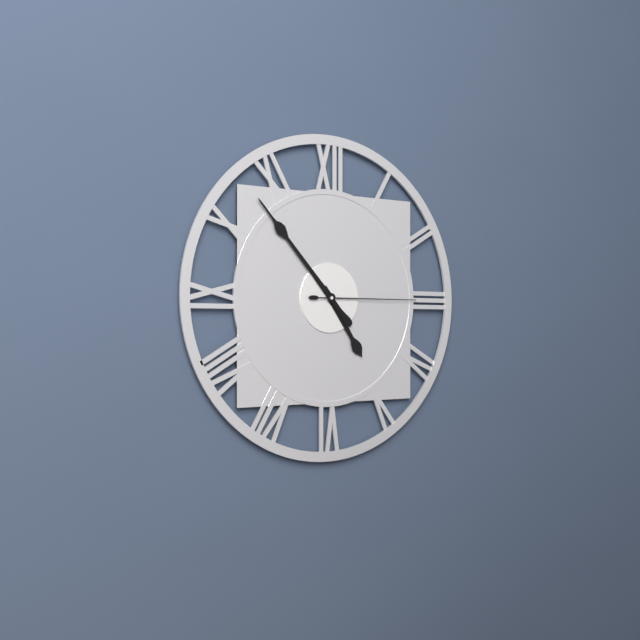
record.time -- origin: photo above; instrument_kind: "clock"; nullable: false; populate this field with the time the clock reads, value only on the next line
4:53:15
